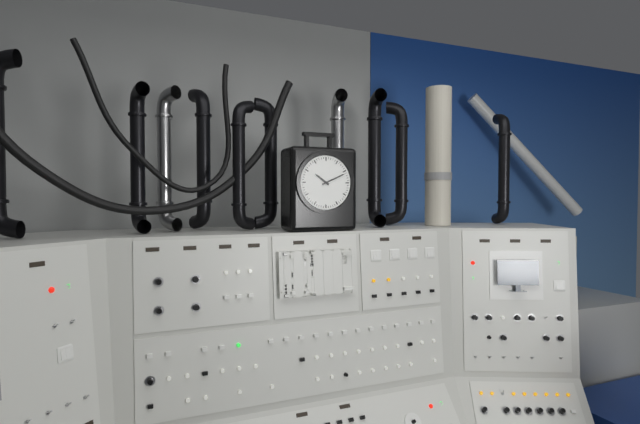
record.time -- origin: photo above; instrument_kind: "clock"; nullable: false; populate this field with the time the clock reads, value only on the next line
10:11
